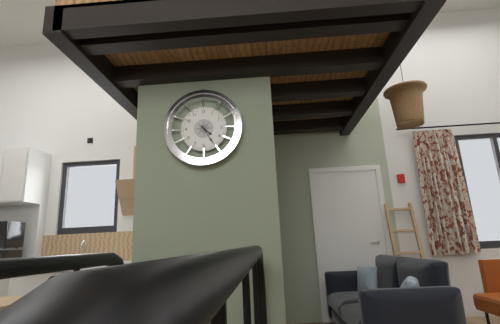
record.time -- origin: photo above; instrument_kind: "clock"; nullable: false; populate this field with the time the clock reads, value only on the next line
4:25
